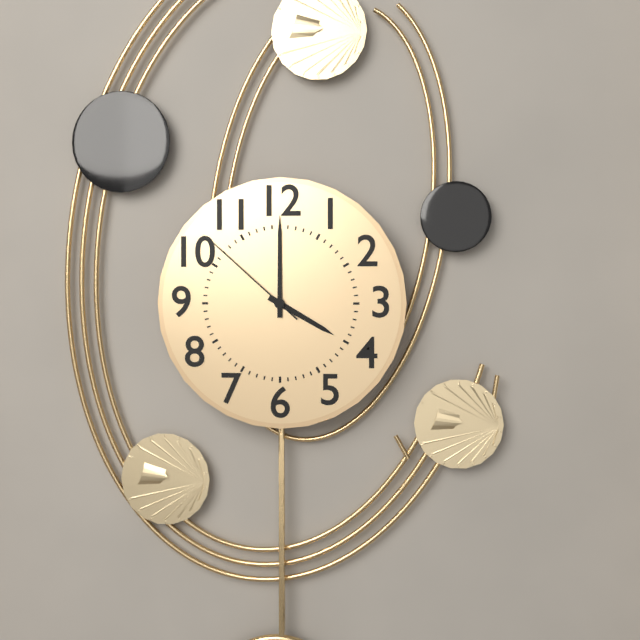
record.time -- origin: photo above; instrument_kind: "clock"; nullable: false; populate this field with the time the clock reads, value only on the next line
4:00:52
